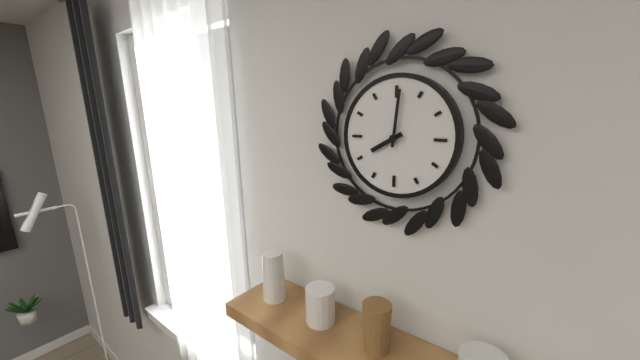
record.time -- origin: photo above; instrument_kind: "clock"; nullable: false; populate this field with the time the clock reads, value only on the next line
8:01
